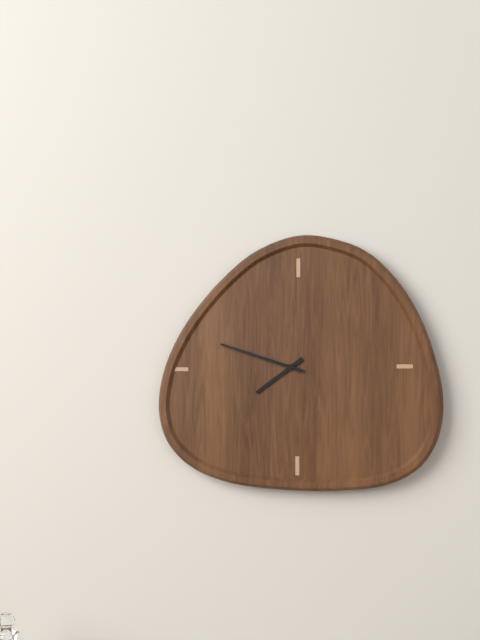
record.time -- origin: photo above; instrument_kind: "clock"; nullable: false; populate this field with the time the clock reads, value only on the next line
7:48
